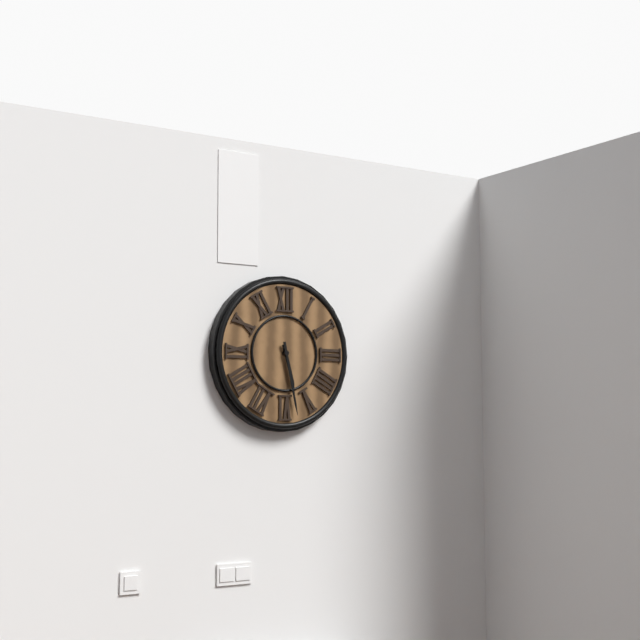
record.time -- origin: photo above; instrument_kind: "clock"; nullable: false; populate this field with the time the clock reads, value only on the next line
5:28
